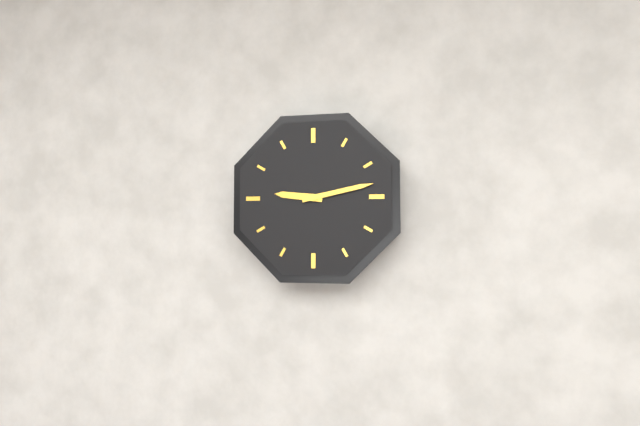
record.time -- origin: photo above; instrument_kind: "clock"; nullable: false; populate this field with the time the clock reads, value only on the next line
9:13
